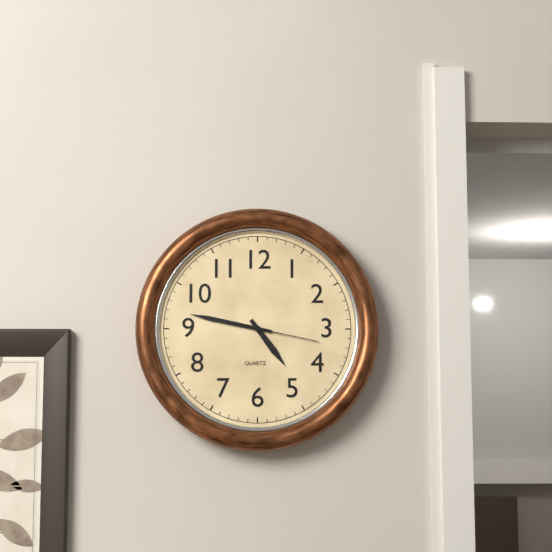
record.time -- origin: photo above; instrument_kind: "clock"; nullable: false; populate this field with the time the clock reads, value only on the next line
4:47:17
